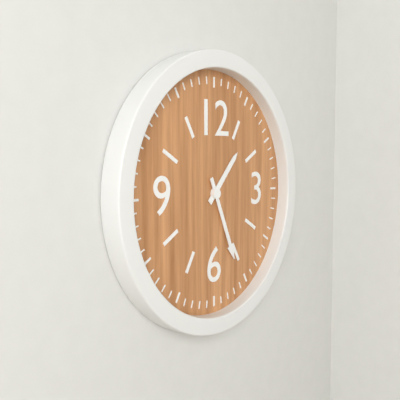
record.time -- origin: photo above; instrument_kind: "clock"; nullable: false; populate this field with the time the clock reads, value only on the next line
1:26
